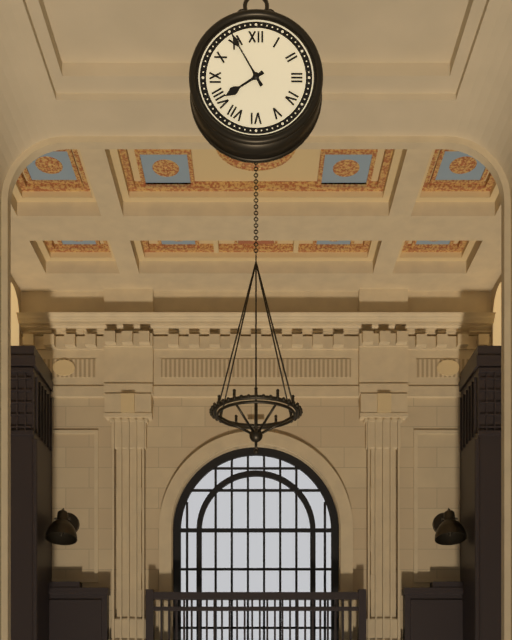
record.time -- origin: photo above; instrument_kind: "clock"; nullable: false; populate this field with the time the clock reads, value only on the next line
7:55
